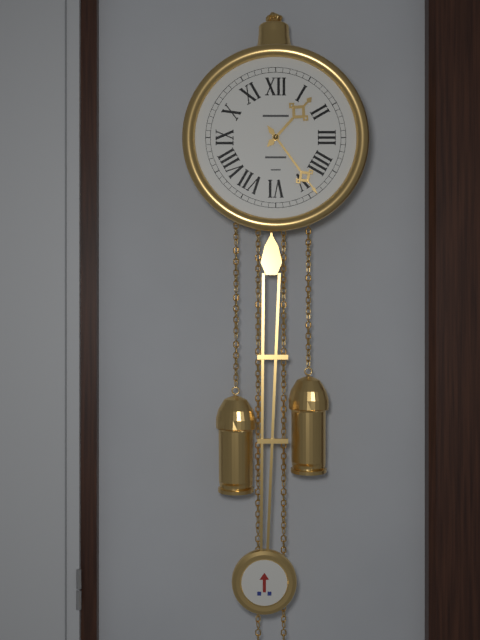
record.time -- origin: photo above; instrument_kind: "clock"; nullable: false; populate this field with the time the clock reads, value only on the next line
1:24
